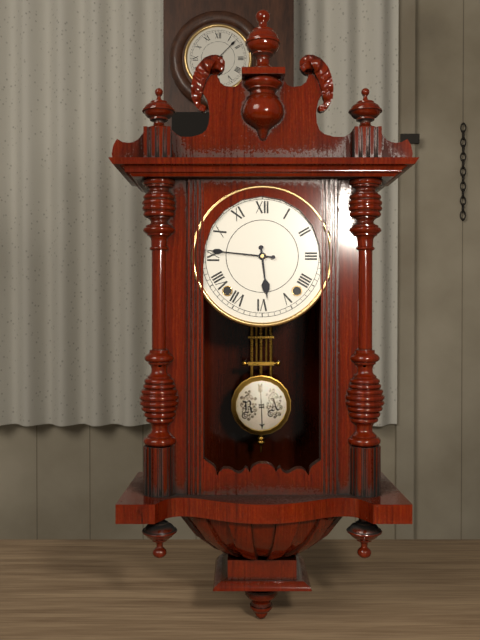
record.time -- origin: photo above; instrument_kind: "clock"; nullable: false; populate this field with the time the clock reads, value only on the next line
5:46
